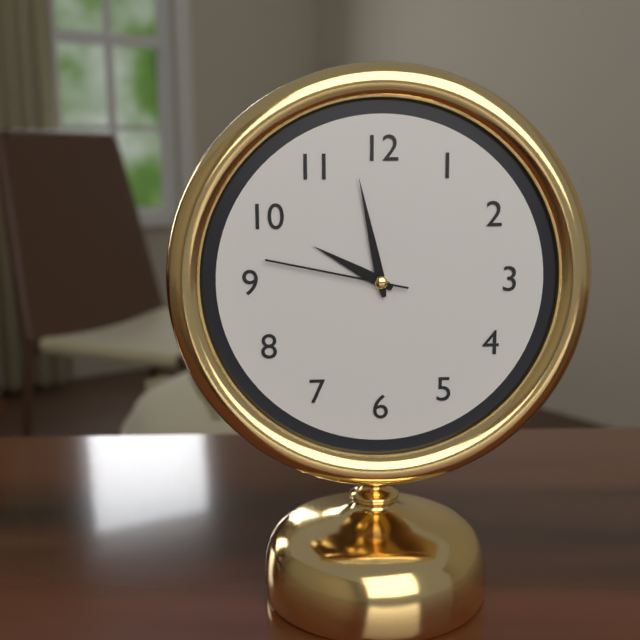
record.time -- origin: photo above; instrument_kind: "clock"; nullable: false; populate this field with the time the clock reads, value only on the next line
9:58:47
